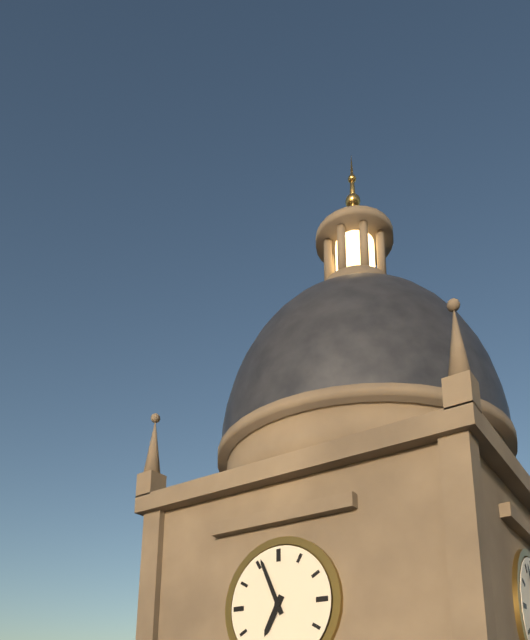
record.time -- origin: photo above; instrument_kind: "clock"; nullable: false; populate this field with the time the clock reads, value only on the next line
6:56
